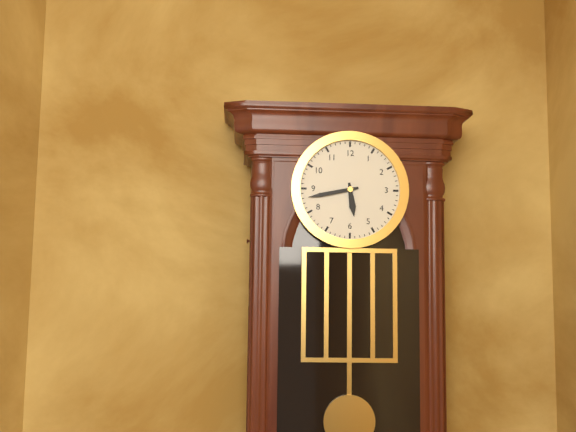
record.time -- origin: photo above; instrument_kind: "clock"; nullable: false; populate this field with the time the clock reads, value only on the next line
5:43
